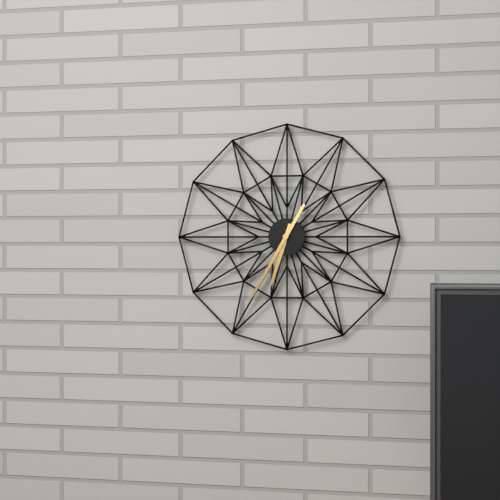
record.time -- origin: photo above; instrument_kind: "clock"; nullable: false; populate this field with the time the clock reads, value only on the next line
6:35
